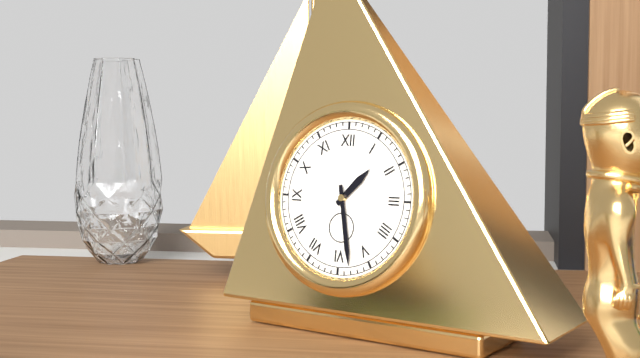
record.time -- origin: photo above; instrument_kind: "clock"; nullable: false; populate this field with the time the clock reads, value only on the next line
1:28
